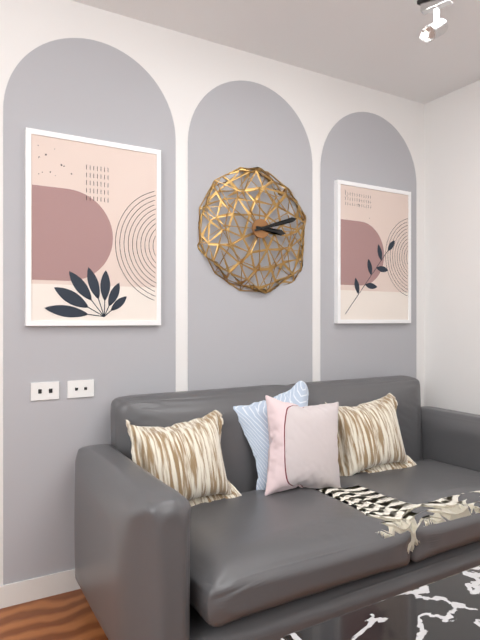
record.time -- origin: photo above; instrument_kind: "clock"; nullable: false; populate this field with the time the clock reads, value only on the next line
3:12
